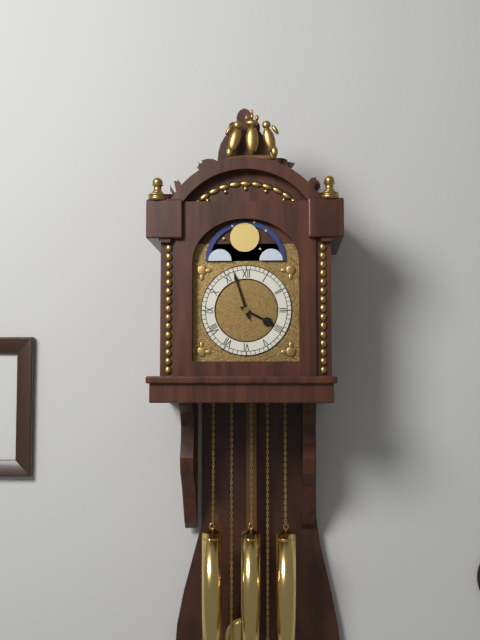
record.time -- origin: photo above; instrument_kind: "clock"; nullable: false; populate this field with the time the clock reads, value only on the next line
3:57
